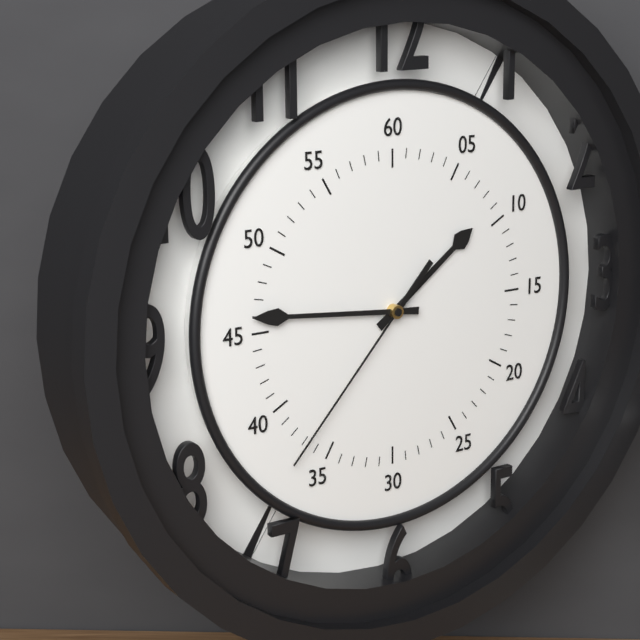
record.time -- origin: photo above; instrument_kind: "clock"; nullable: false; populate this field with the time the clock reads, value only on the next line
1:46:37
